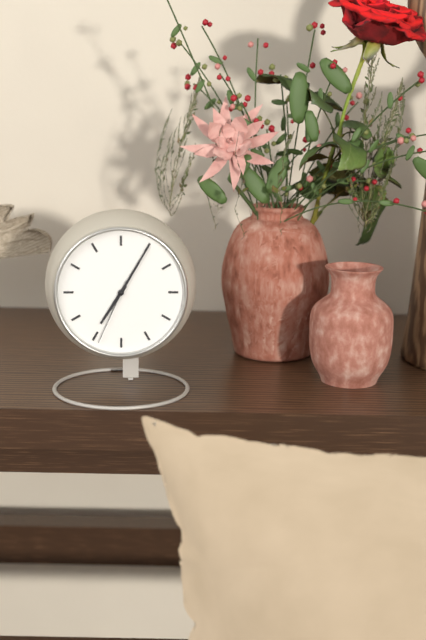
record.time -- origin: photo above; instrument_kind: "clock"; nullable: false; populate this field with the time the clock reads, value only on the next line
7:05:34
